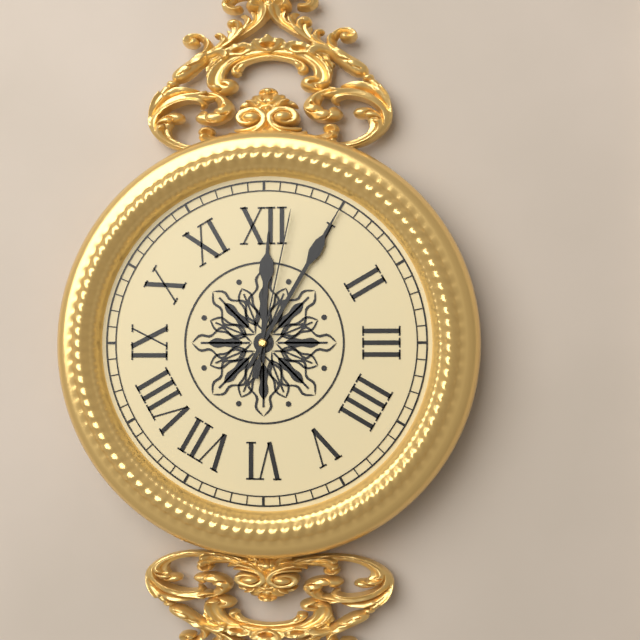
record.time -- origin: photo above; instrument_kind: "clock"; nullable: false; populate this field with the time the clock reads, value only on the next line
12:05:02
